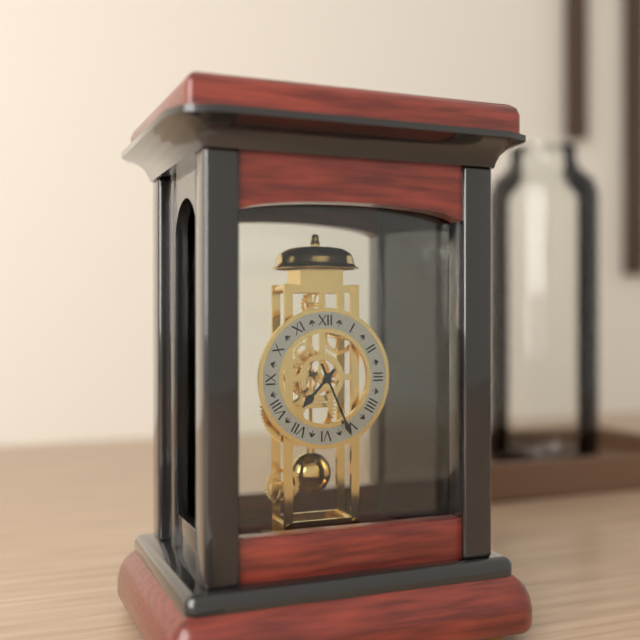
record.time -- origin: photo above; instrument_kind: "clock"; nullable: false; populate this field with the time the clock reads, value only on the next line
7:26
